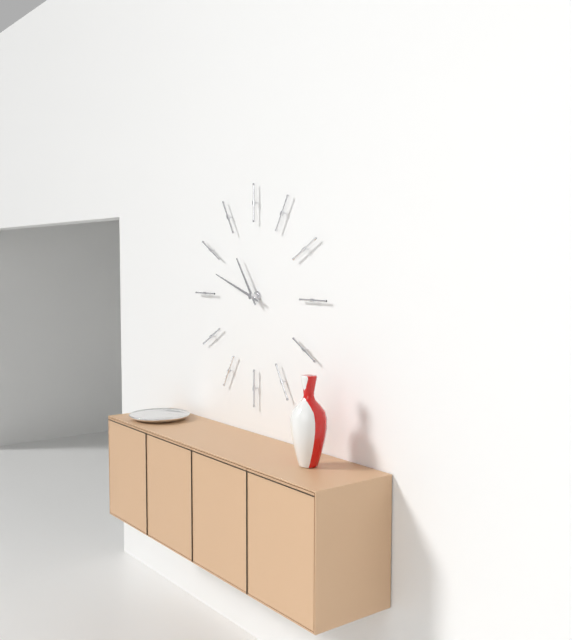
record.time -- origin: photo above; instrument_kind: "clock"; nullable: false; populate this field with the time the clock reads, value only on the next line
10:48
